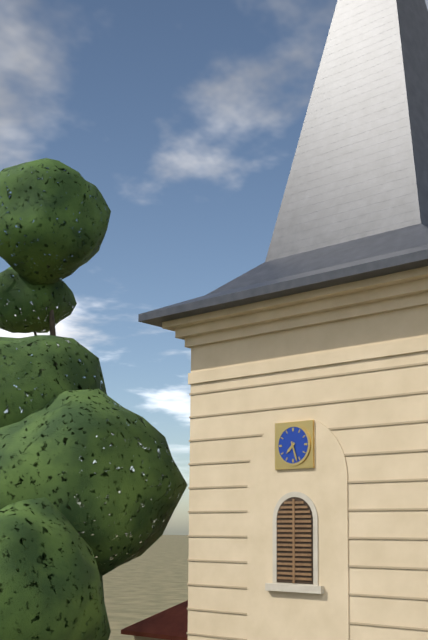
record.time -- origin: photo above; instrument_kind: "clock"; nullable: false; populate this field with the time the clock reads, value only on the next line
7:27
